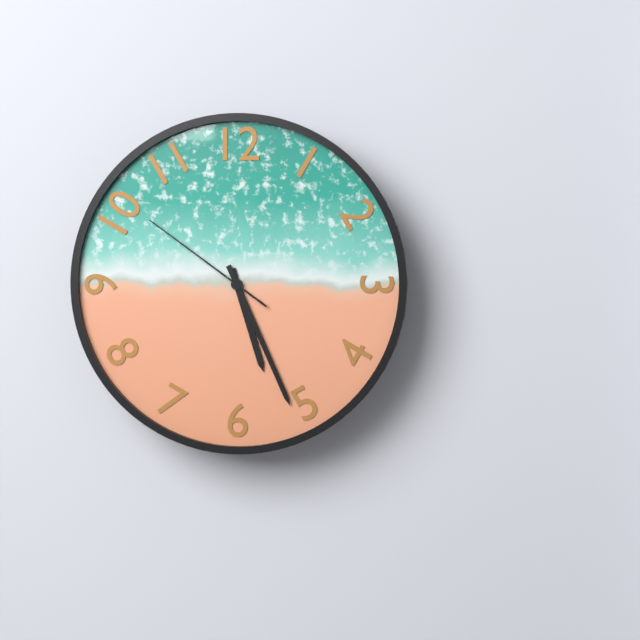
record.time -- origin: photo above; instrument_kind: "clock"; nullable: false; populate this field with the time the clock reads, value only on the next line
5:26:51
